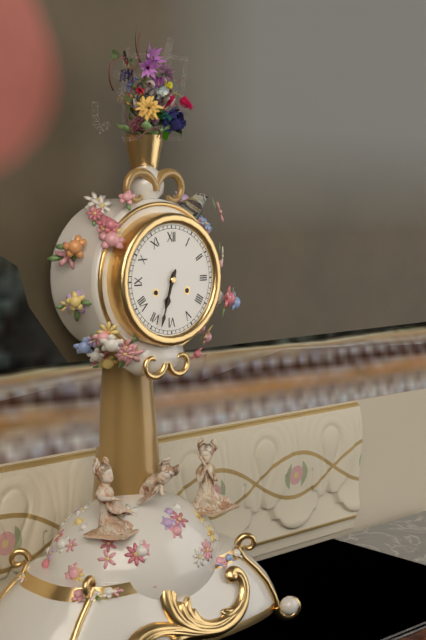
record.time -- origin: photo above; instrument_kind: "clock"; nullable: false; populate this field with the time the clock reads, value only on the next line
6:33
